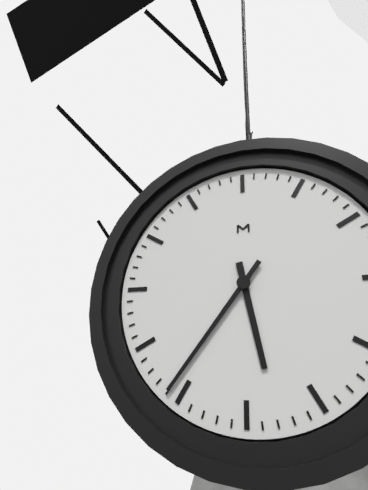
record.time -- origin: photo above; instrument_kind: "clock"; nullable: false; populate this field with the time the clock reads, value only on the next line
5:36
